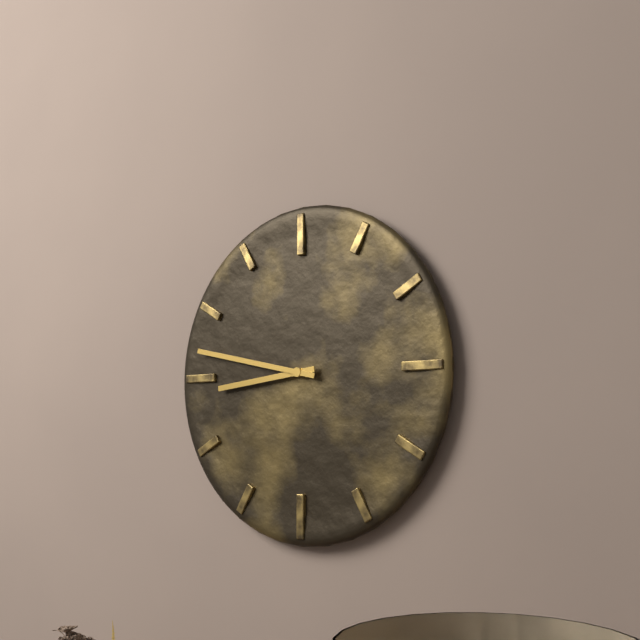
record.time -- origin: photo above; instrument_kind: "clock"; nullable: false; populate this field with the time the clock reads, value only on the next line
8:47
